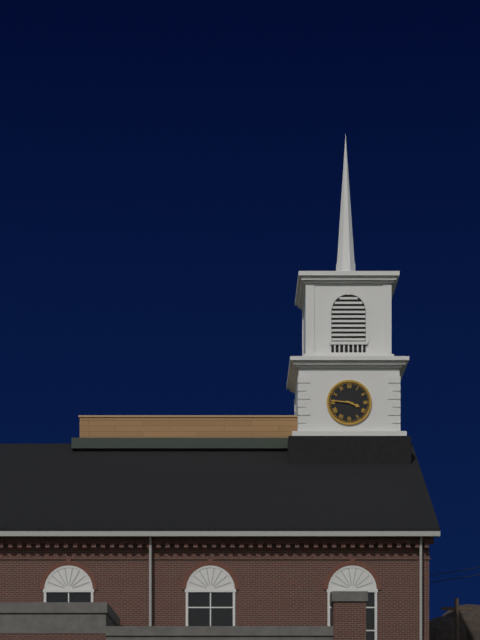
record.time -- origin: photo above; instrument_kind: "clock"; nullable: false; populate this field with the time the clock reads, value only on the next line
3:46
